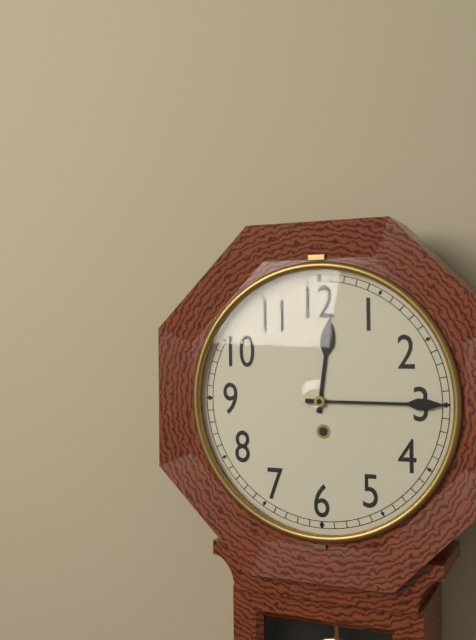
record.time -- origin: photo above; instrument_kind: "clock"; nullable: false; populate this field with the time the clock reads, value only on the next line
12:15
